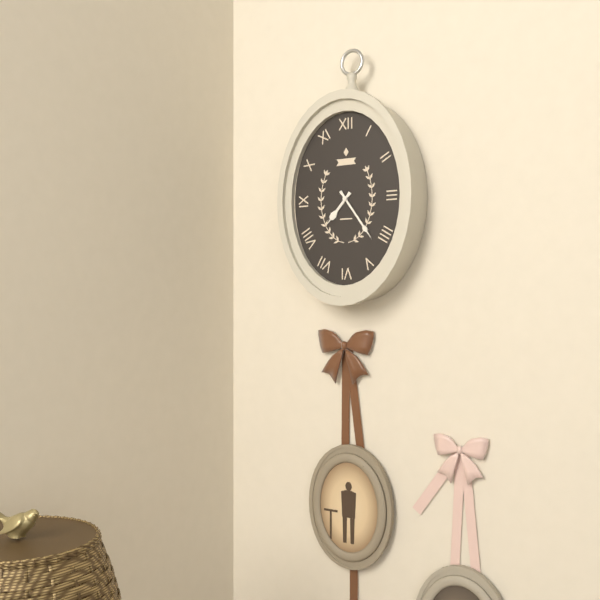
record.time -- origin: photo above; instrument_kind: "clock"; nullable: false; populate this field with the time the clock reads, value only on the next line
7:24
